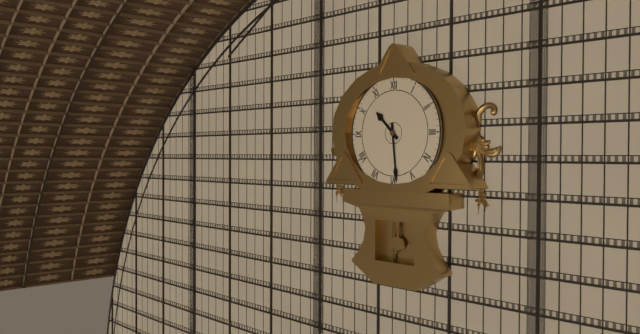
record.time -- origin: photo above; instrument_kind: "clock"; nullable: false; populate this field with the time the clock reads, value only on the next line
10:29
